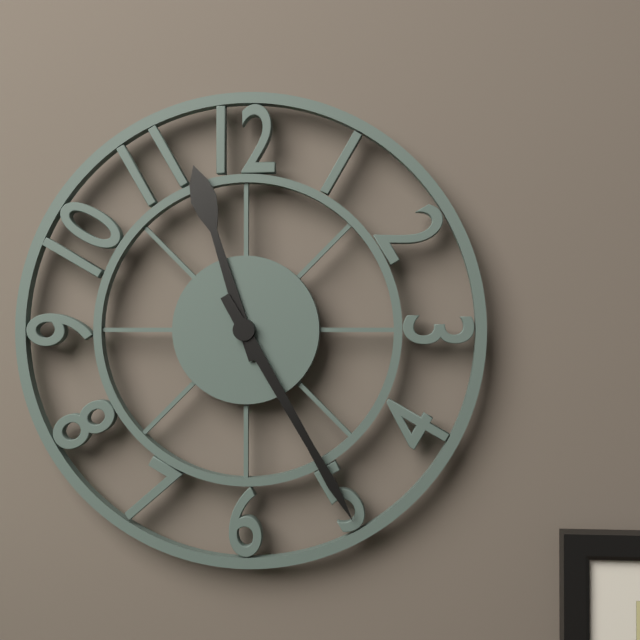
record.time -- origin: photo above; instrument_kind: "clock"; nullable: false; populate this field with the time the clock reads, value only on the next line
11:25
